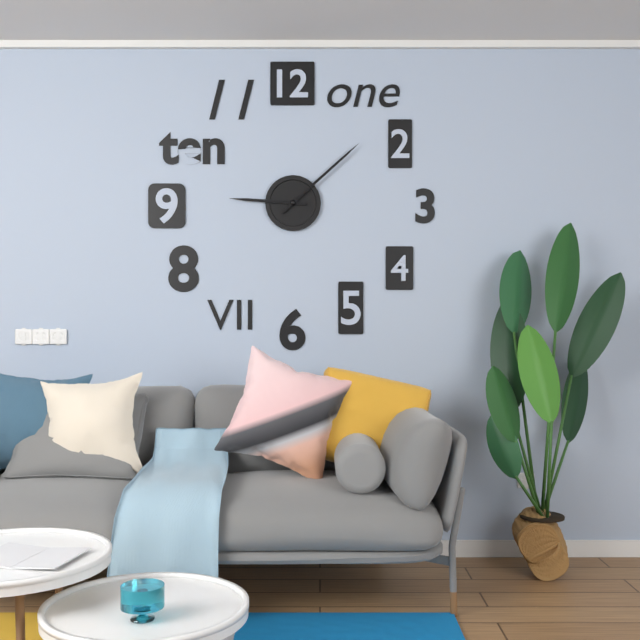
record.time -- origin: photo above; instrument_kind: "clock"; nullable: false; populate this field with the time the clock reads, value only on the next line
9:08
